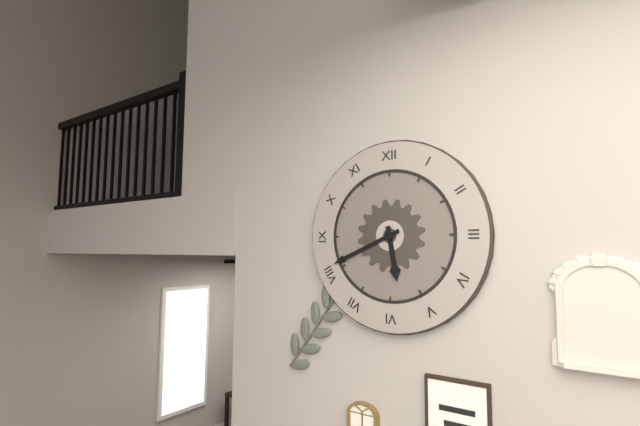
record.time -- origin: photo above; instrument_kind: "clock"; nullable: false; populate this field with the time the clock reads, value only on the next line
5:41
